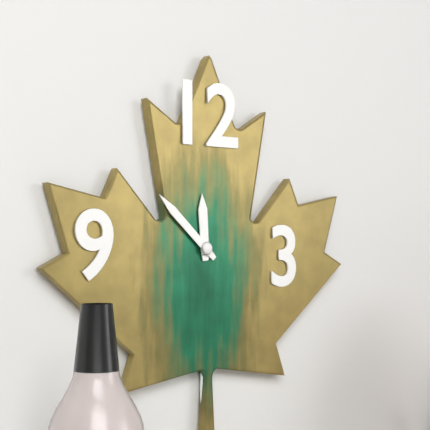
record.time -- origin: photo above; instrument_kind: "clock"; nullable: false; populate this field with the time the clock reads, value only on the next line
11:52
